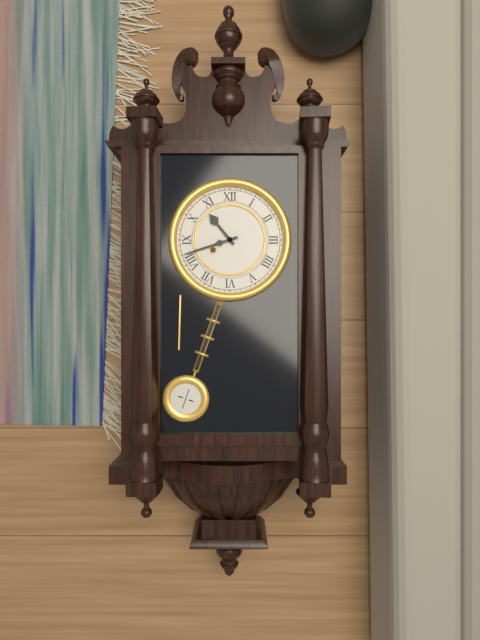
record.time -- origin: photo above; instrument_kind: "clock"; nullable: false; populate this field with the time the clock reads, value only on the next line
10:42
